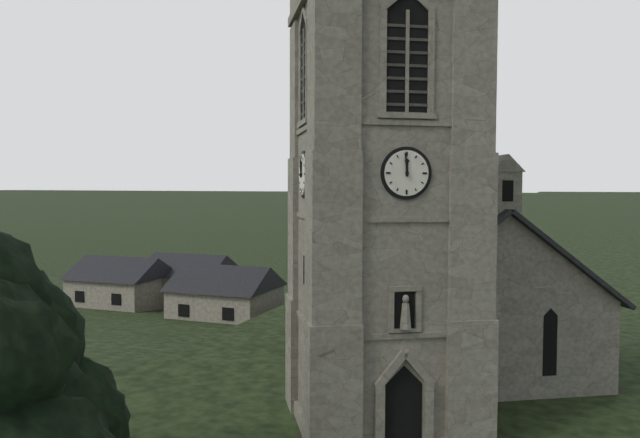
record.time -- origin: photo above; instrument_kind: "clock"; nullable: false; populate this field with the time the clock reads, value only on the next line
11:59
